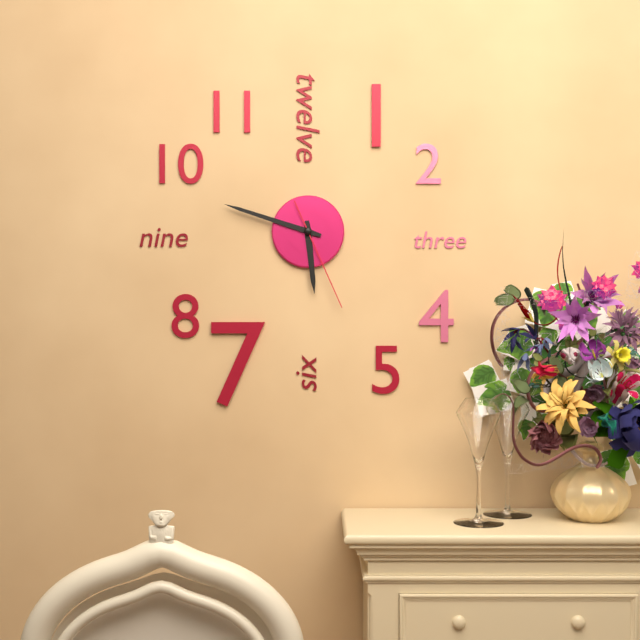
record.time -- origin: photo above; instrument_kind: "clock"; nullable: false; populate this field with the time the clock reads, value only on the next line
5:48:26
